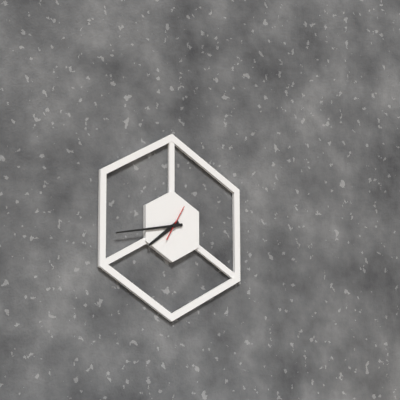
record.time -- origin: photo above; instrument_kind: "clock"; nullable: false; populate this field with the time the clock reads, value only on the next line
7:43
